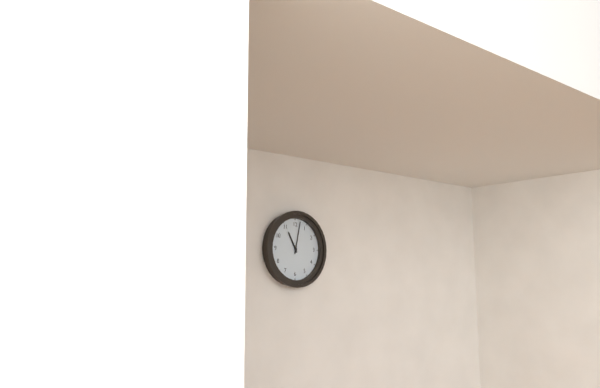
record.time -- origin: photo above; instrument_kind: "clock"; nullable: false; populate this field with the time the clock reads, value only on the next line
11:02
